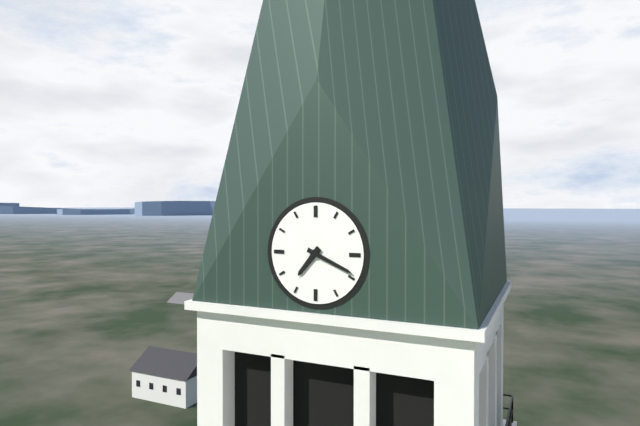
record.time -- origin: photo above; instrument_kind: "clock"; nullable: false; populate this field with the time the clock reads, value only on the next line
7:19
